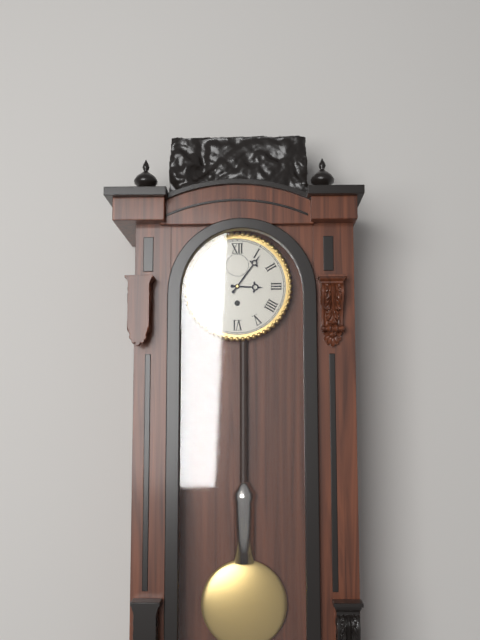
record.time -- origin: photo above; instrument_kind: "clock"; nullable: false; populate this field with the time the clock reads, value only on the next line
3:06
